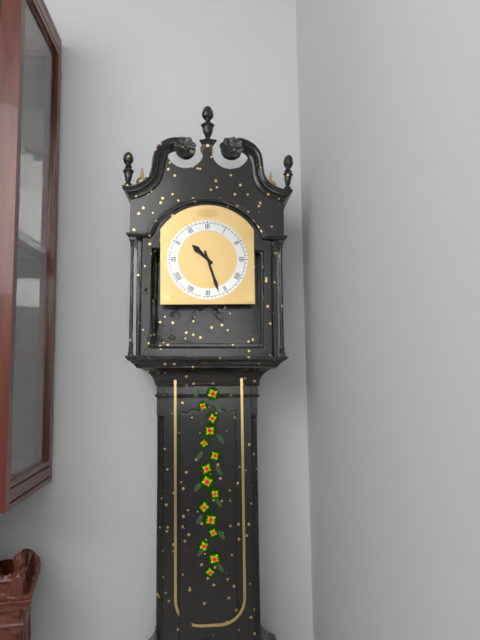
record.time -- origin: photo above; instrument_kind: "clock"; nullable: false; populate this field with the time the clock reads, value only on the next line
10:27
